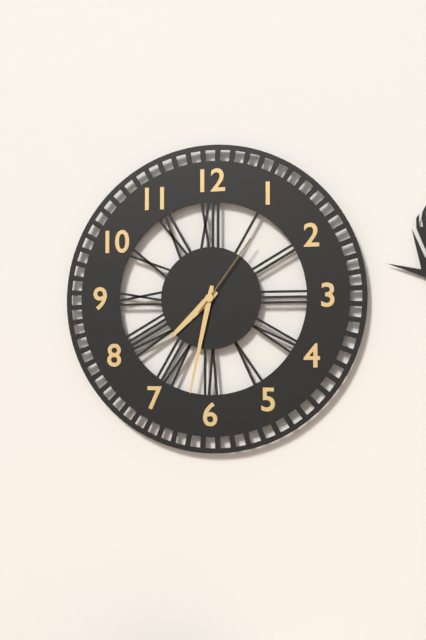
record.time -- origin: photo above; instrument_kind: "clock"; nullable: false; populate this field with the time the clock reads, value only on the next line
7:32:06
